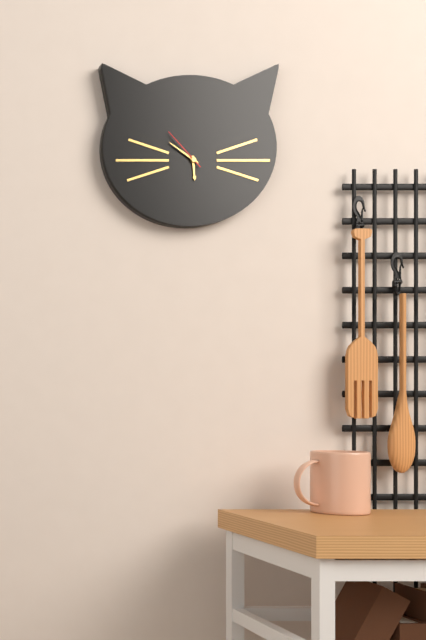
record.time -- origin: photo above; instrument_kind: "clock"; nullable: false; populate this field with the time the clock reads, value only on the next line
5:51
